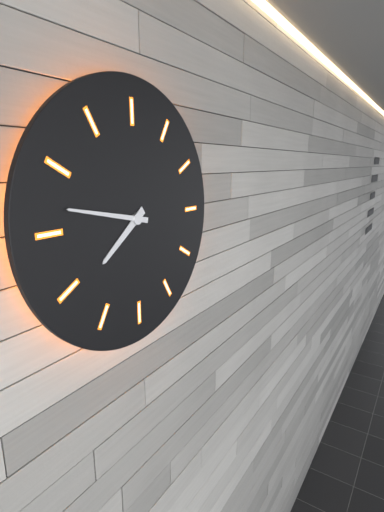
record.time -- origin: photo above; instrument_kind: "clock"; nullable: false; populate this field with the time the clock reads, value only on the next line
7:47
